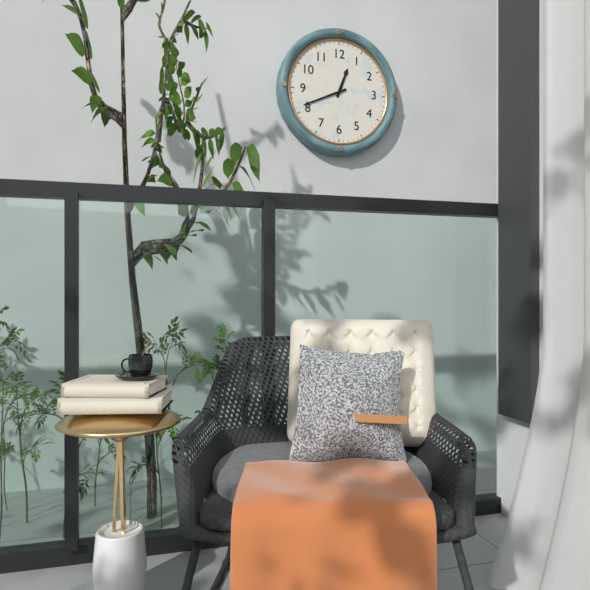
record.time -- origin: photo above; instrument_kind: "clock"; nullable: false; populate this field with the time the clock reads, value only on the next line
12:41
